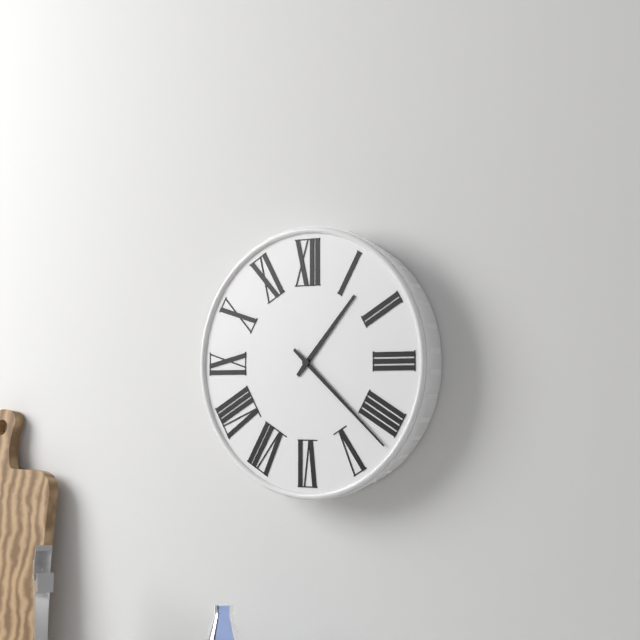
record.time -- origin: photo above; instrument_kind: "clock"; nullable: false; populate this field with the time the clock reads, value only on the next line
1:22
